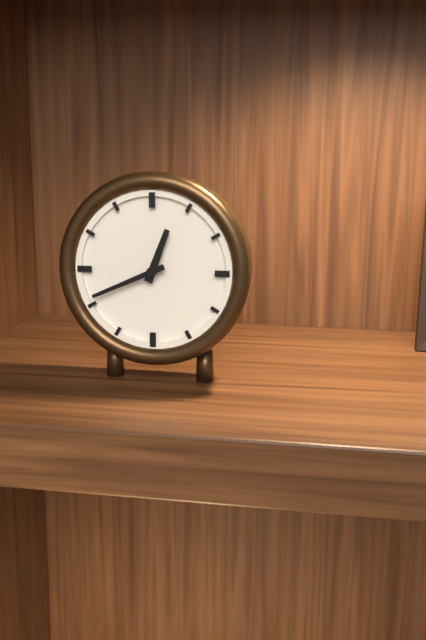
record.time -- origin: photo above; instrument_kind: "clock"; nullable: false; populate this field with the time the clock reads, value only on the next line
12:41
